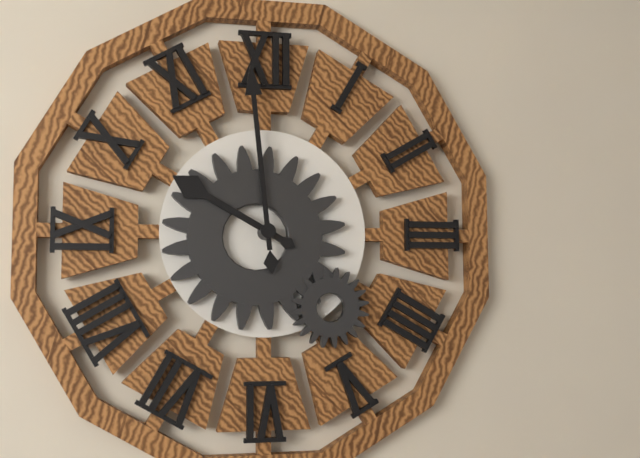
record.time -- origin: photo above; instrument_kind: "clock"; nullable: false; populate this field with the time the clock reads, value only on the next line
9:59
